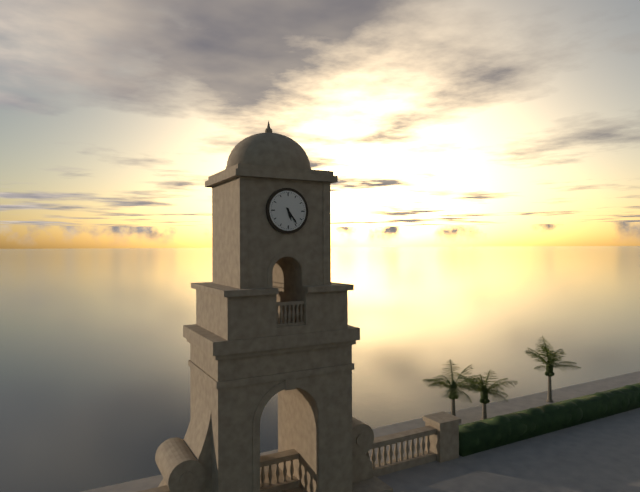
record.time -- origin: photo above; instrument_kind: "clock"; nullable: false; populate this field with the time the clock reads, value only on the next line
5:24
